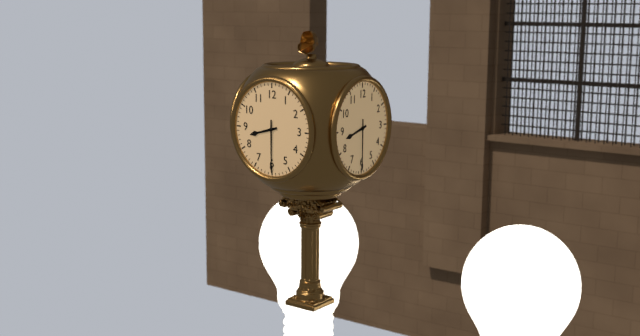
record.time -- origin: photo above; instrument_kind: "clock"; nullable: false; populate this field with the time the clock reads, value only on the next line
8:30
